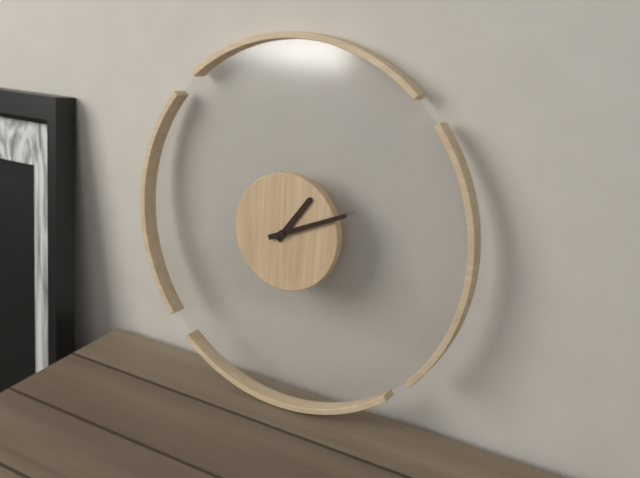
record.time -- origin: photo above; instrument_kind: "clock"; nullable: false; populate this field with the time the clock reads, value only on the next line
1:11
